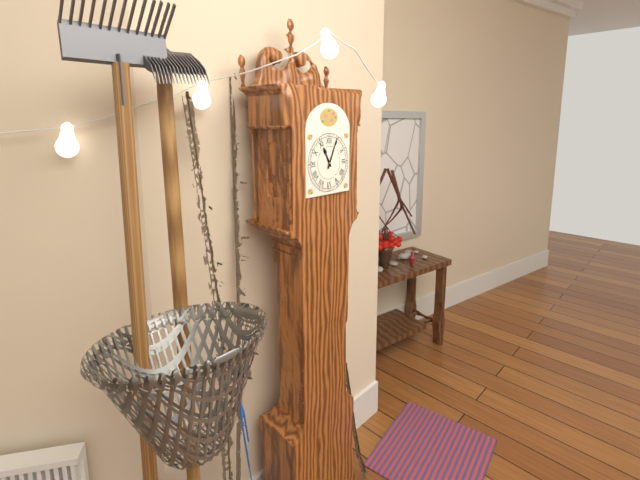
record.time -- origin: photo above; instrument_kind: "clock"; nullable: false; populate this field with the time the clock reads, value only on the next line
11:04
